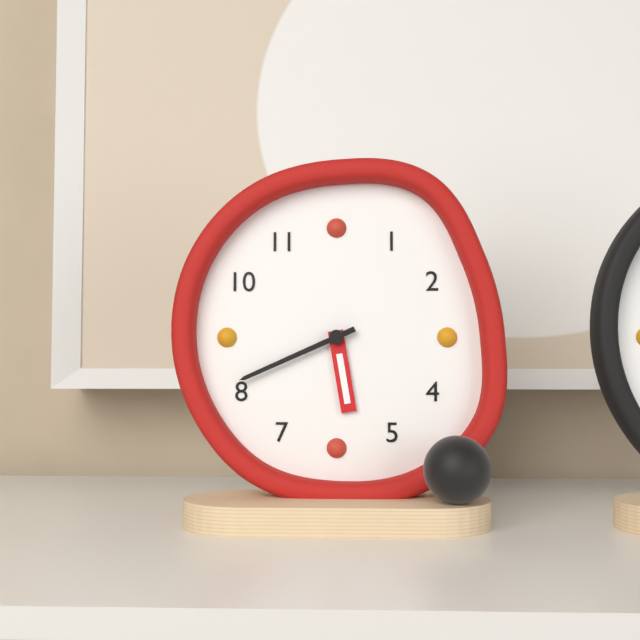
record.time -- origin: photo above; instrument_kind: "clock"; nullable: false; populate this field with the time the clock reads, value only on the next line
5:41
